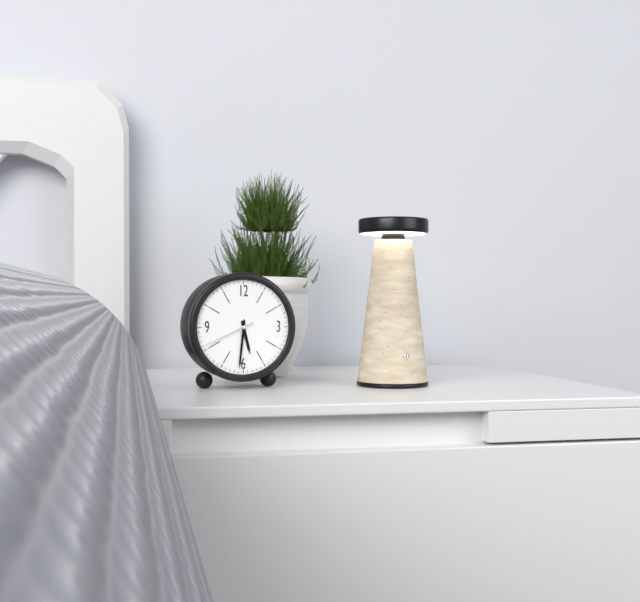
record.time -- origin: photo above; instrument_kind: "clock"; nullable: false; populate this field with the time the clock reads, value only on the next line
5:31:41
